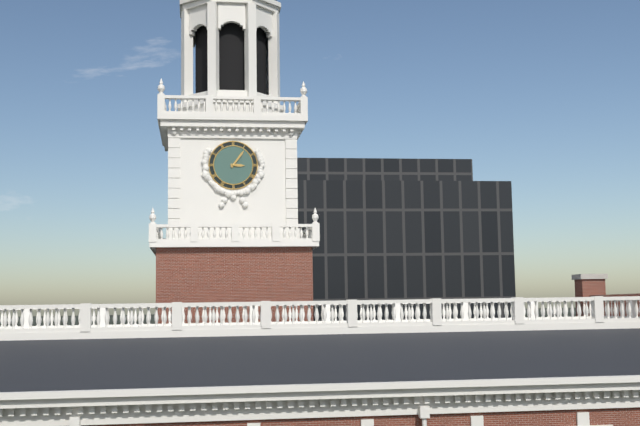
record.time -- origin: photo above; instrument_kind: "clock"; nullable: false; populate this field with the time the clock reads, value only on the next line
3:06
